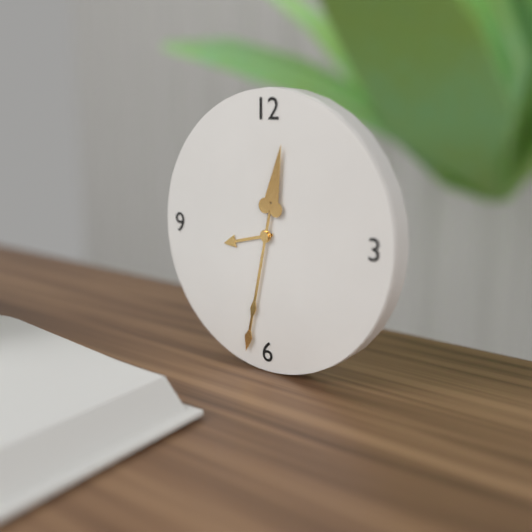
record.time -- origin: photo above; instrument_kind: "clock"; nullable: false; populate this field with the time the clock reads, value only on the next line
8:32
